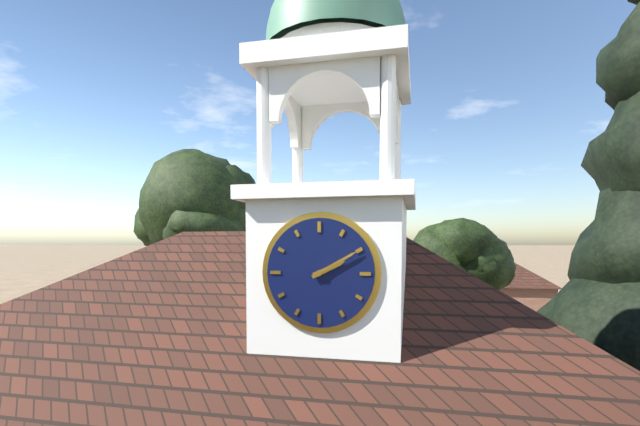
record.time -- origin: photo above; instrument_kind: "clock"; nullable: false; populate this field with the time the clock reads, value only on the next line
2:10
